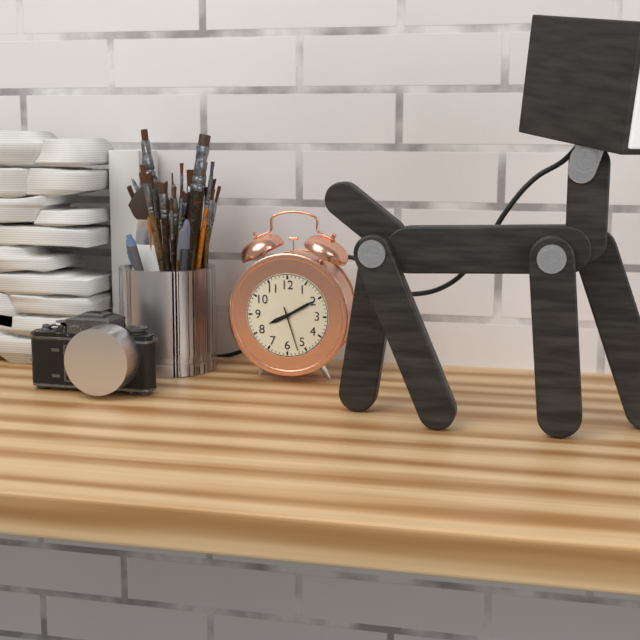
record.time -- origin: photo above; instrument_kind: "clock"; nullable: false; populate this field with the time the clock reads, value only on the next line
8:10
